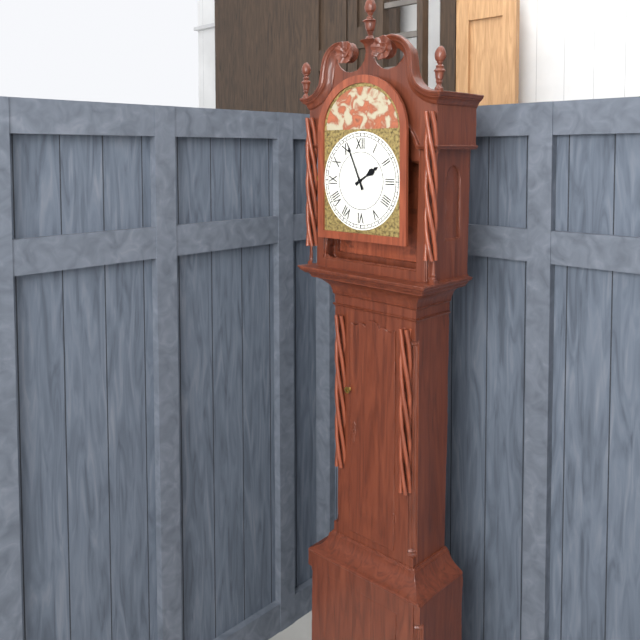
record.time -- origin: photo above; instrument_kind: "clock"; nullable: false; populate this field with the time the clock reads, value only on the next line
1:56
